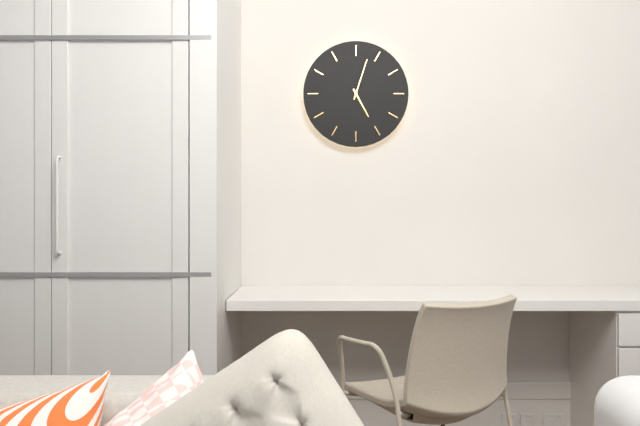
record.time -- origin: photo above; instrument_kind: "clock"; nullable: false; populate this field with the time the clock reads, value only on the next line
5:03
